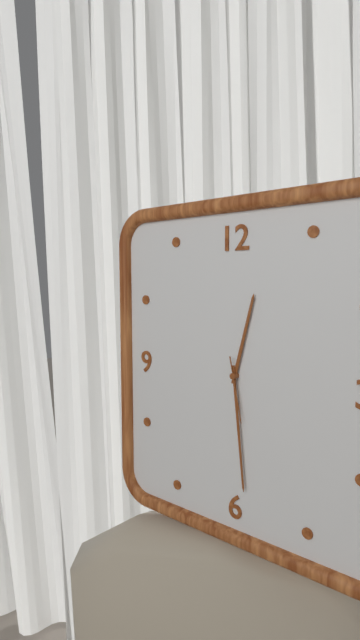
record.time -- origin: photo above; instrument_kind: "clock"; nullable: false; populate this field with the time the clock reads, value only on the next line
12:29:28
